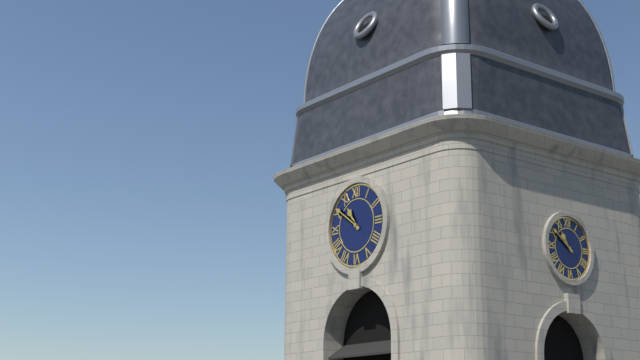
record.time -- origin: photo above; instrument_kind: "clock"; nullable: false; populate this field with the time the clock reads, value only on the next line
10:51
